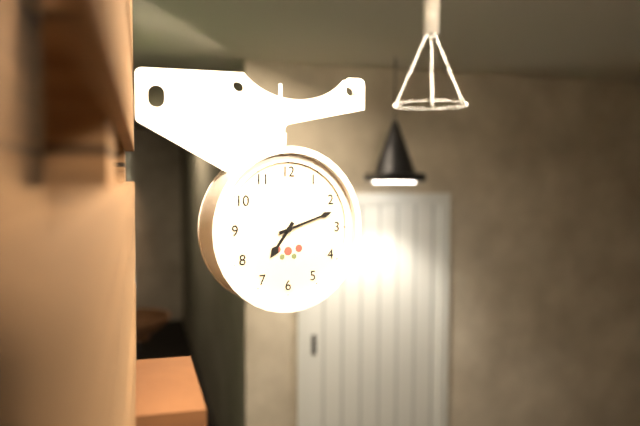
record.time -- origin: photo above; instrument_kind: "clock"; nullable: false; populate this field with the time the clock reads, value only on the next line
7:12
